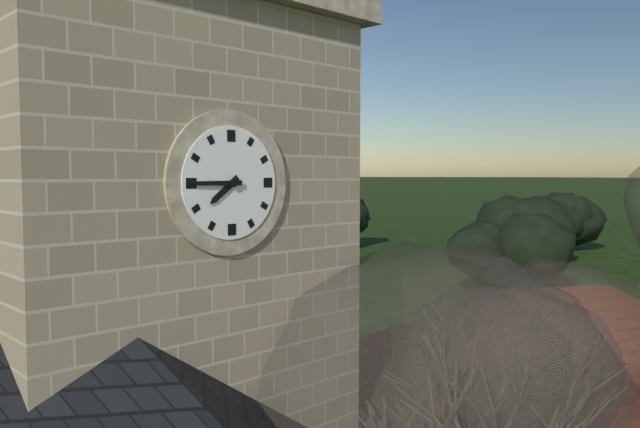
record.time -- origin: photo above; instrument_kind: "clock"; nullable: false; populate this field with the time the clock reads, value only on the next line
7:45
